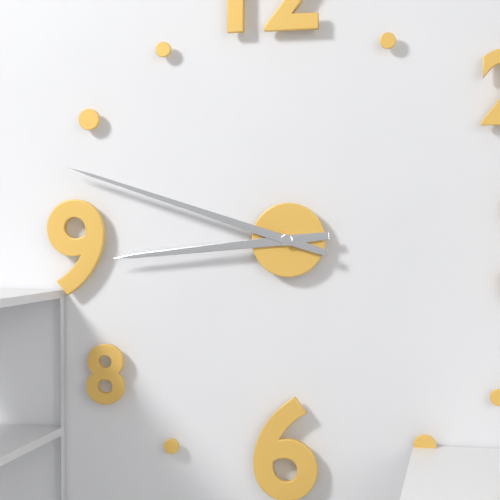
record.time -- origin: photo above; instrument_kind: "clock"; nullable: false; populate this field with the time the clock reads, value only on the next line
8:48
